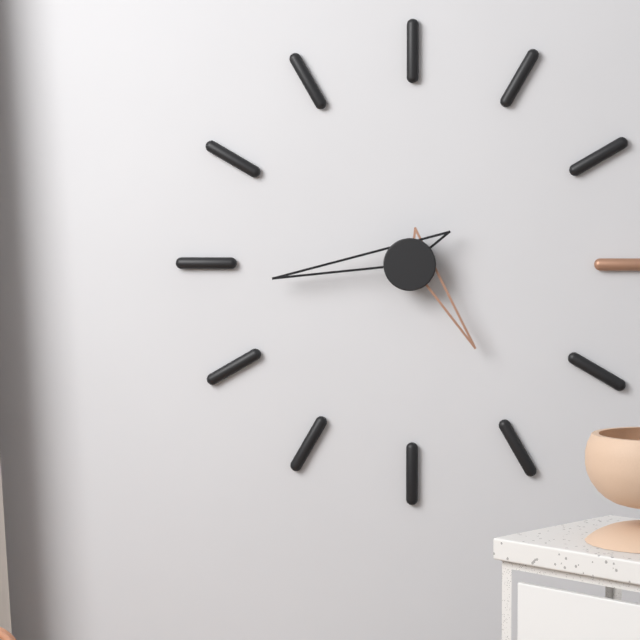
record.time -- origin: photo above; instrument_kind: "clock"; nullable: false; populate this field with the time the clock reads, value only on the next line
4:44
